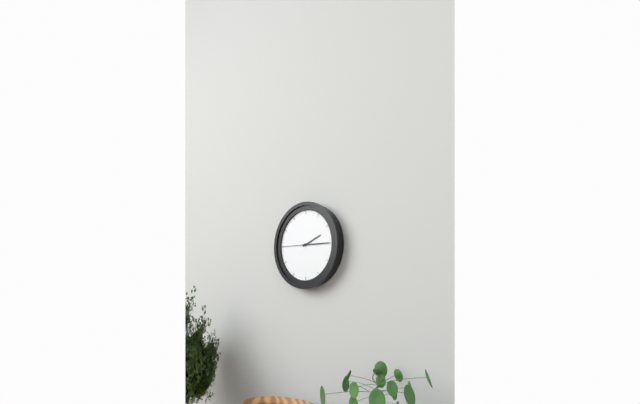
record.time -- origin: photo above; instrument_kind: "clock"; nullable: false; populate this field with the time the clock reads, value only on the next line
2:15
